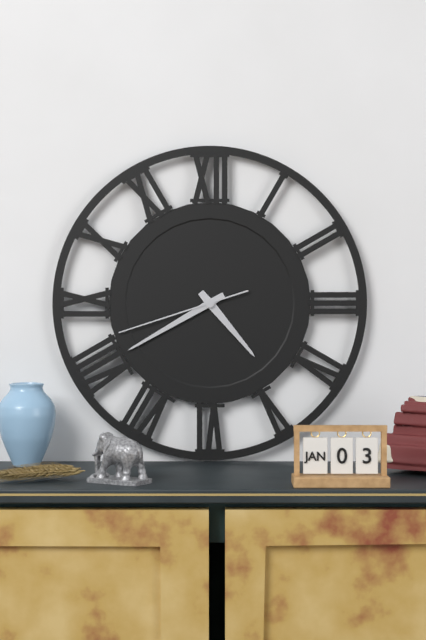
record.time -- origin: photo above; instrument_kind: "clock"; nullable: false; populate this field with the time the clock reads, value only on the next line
4:40:42
